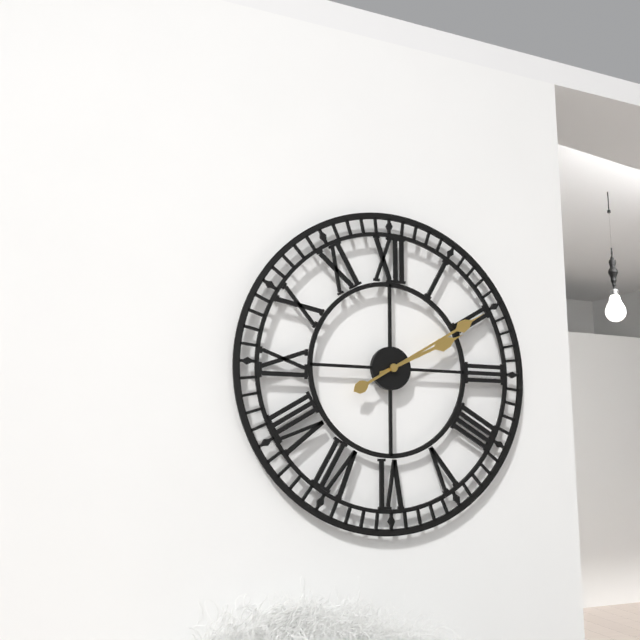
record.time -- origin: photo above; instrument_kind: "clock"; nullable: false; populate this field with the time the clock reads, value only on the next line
2:10
